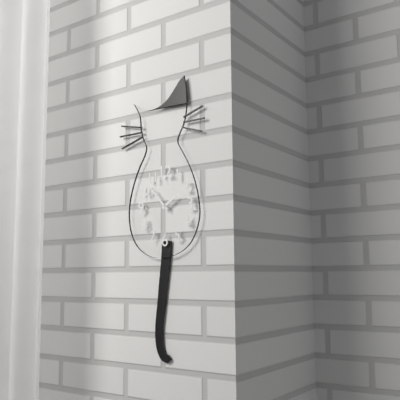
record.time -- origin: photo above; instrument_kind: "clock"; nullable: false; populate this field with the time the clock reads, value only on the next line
1:53
